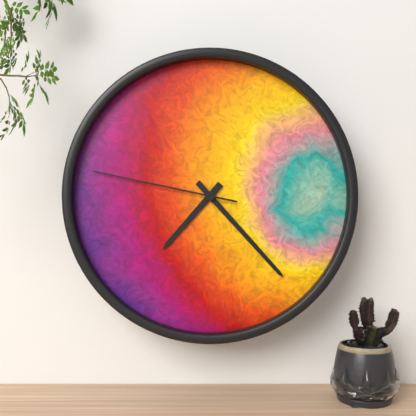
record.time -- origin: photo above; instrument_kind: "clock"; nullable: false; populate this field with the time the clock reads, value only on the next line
7:23:47
